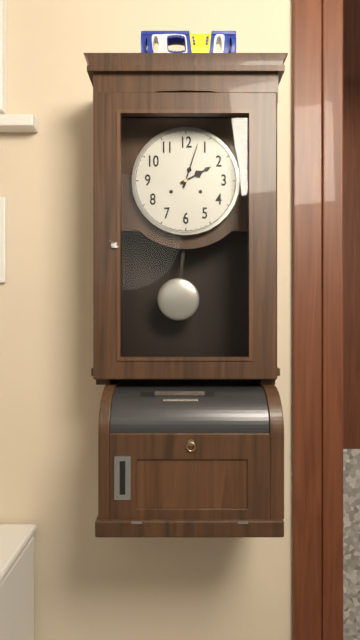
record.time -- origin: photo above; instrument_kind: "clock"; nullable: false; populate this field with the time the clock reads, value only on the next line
2:03
